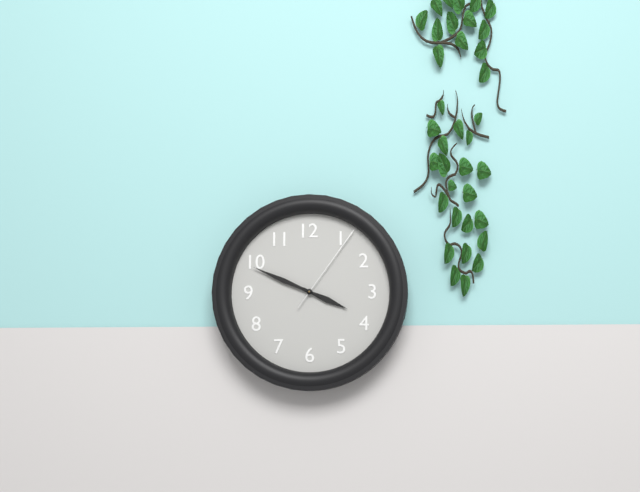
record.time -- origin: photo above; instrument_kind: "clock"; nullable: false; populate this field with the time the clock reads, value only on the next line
3:49:06
